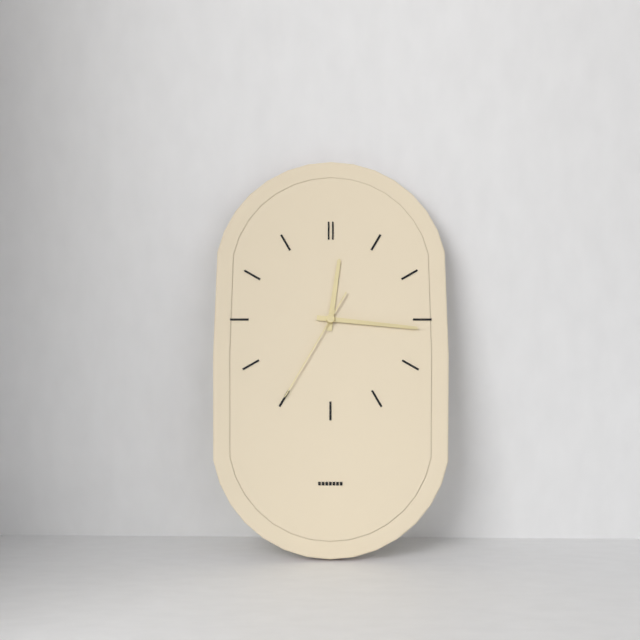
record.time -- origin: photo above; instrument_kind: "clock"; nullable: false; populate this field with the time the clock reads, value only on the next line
12:16:35
